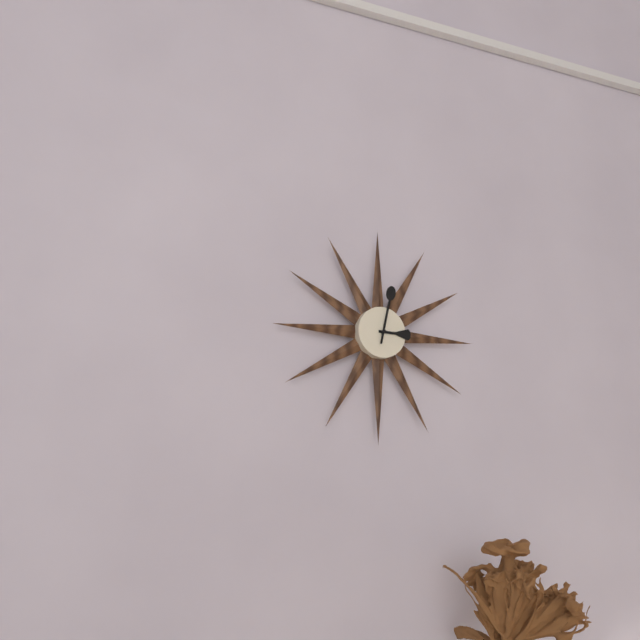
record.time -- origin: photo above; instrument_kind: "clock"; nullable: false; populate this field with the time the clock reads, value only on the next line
3:02
